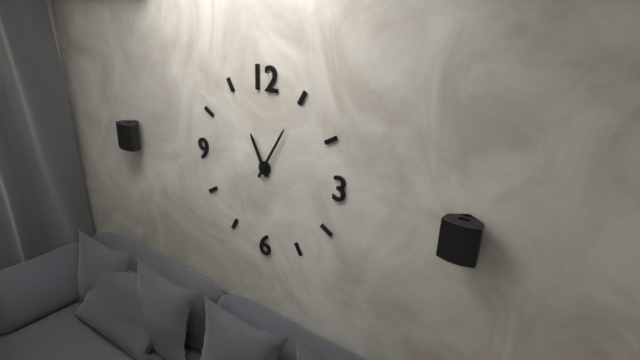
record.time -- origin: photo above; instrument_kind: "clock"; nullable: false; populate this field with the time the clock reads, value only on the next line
11:05
